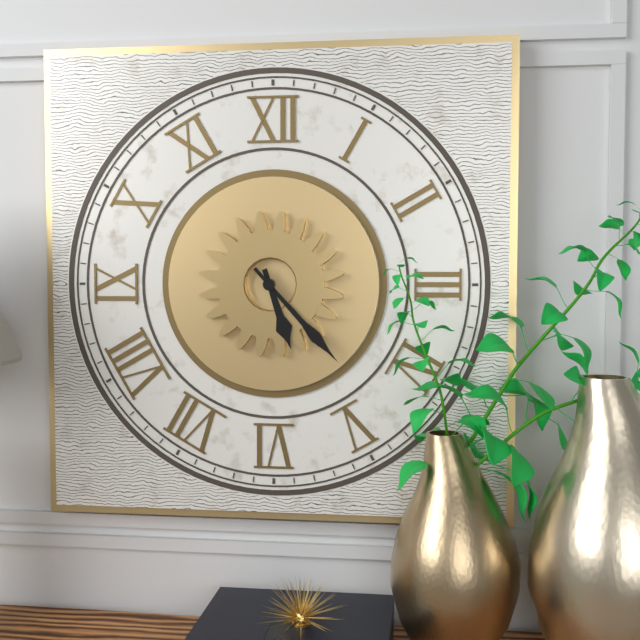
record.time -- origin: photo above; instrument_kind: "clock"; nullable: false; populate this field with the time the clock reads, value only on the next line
5:23
